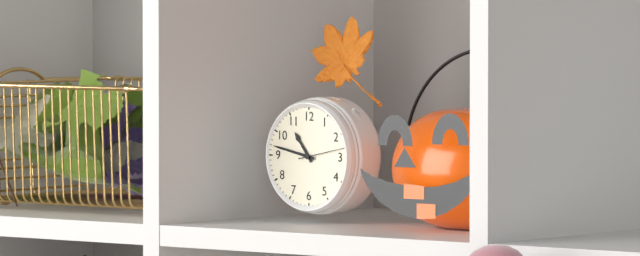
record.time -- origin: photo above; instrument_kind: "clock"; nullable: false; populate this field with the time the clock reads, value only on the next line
10:47
